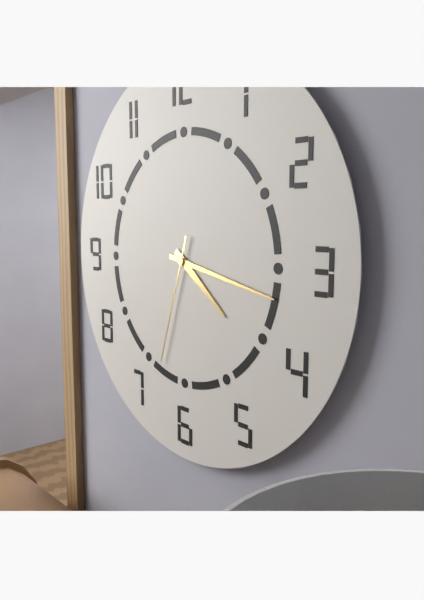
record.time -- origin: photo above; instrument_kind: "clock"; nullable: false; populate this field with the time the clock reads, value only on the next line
4:17:33
